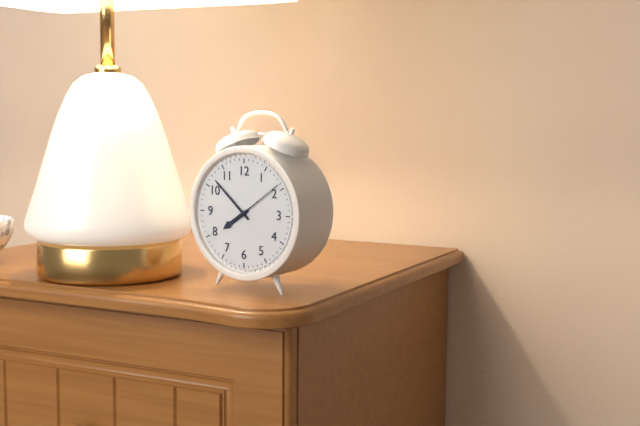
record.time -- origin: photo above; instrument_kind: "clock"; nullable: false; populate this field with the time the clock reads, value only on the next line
7:52:09
